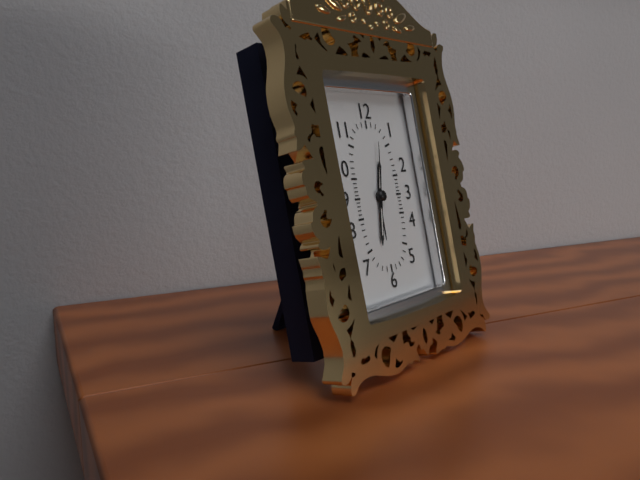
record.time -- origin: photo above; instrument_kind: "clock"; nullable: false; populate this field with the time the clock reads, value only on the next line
12:32:02
